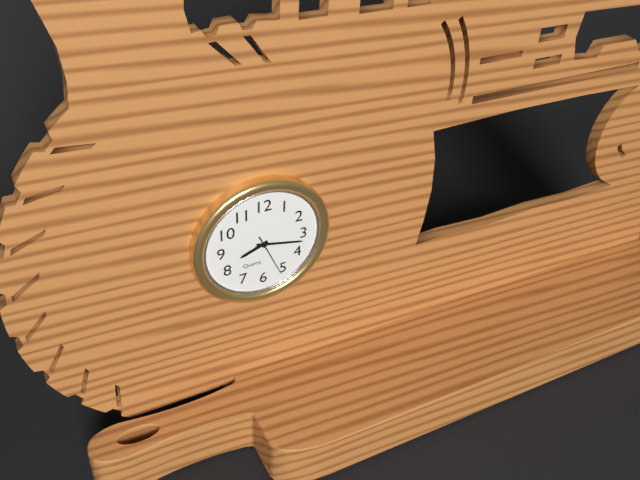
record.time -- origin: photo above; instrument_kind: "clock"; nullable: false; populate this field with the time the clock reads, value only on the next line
8:17
